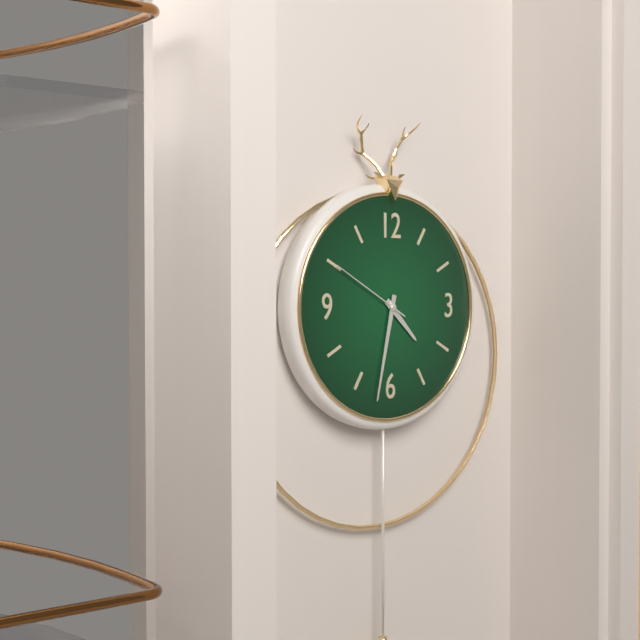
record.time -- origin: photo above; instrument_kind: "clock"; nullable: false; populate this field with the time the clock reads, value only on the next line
4:32:50
